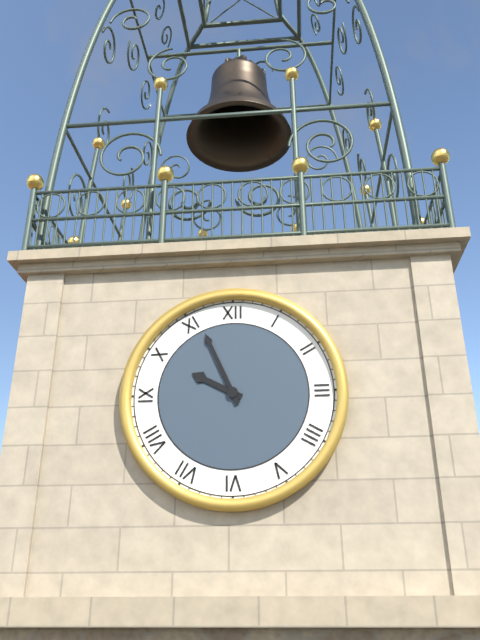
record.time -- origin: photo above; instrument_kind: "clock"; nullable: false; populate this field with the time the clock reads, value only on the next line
9:56
